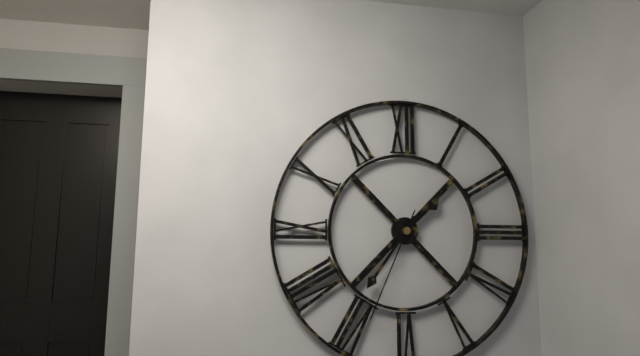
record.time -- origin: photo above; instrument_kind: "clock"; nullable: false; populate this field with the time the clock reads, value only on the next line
1:36:34
